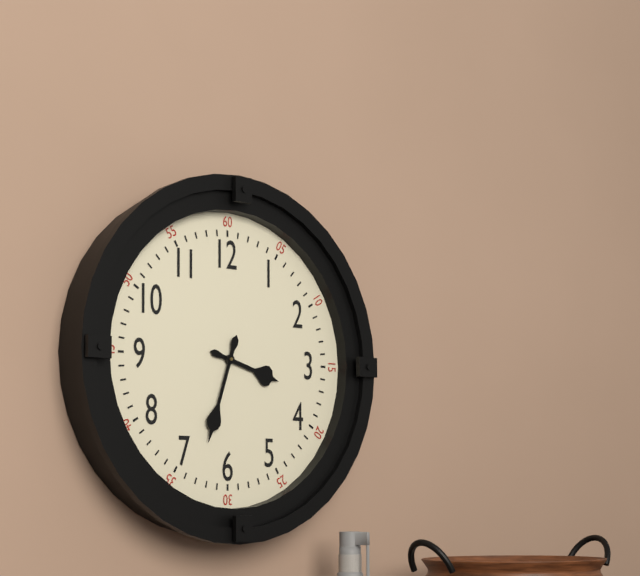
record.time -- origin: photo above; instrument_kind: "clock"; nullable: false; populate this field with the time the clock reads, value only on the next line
3:33
